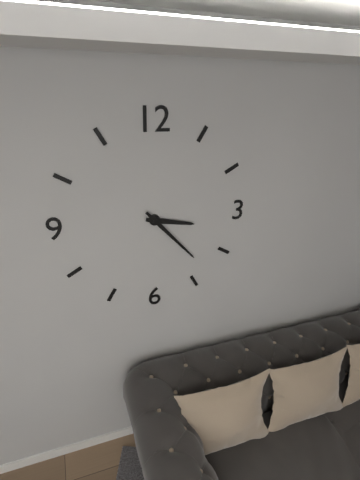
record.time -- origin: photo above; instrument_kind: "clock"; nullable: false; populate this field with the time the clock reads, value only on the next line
3:23
